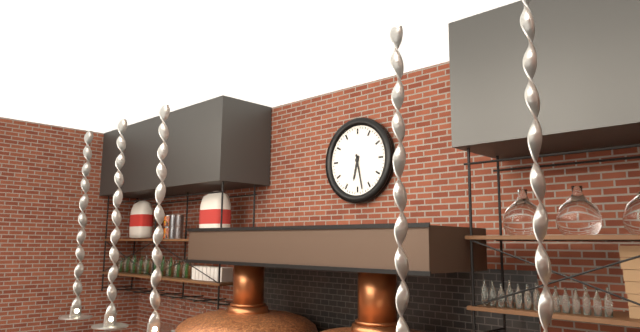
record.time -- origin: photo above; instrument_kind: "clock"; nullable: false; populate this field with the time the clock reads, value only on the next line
6:28
